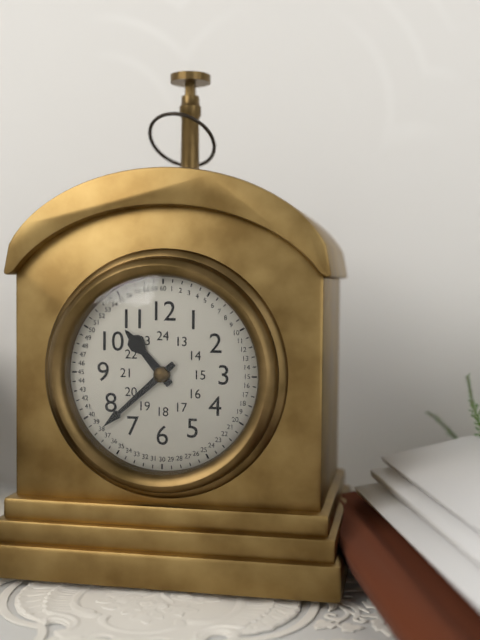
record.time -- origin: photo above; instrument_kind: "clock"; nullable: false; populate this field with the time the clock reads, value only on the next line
10:38
